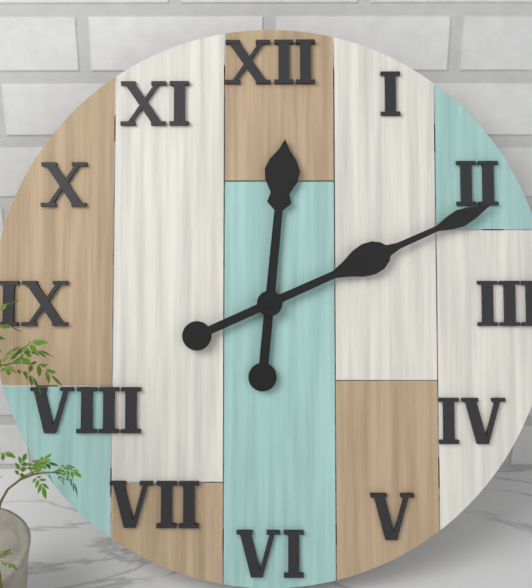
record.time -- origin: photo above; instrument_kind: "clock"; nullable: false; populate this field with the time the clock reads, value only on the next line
12:11
